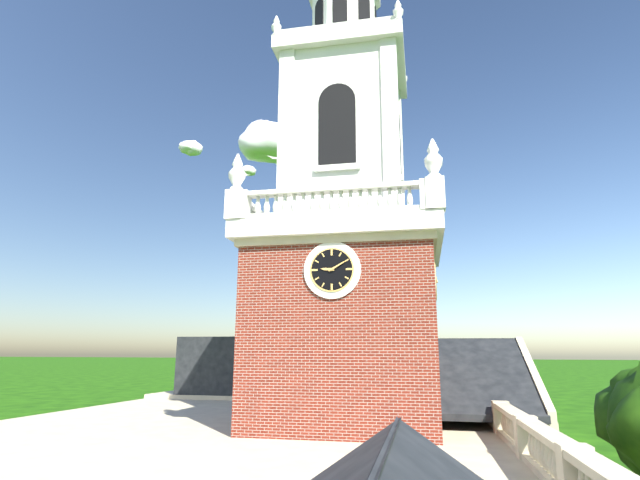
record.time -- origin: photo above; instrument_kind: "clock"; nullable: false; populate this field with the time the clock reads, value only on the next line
9:10
